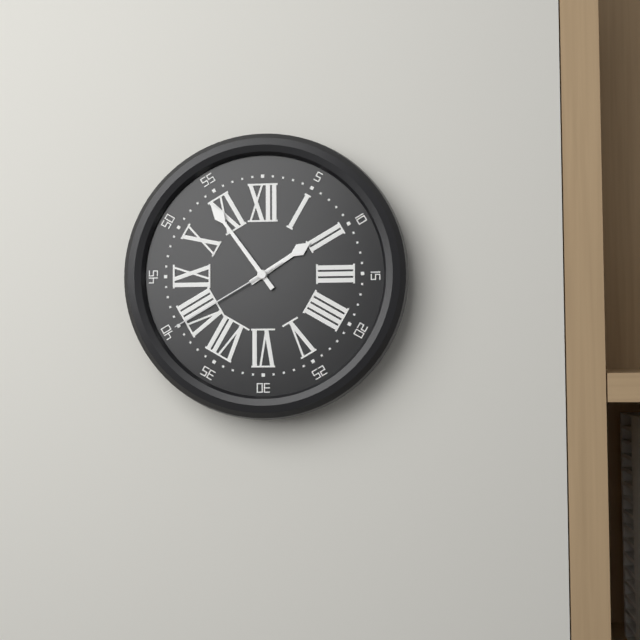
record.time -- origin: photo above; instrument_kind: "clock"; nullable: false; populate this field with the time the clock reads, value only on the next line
1:54:40
